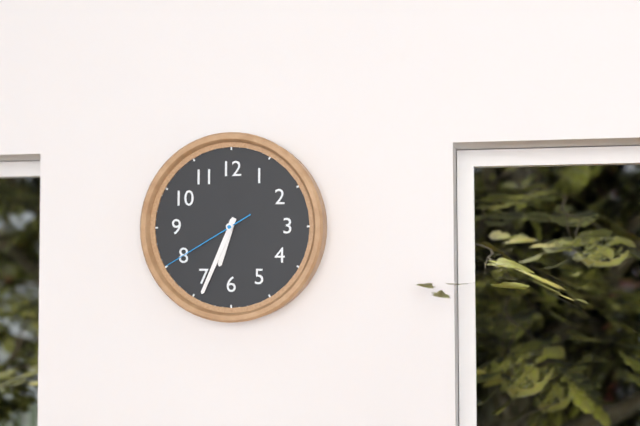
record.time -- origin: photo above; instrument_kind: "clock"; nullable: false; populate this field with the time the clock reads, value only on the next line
6:34:40
